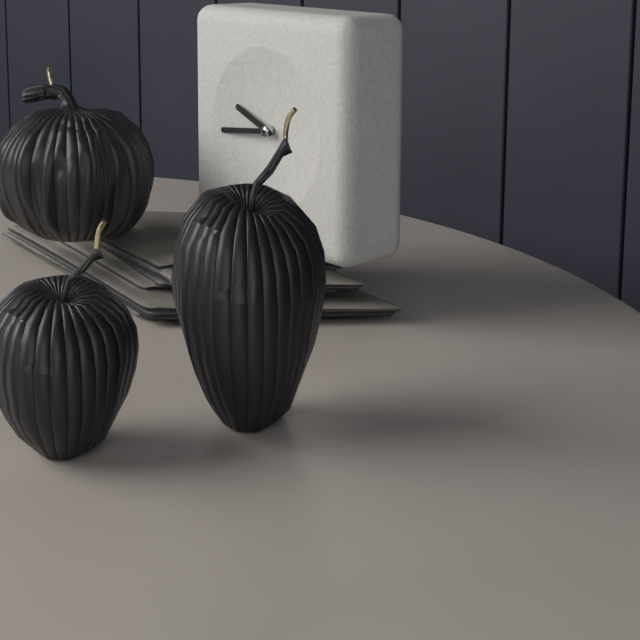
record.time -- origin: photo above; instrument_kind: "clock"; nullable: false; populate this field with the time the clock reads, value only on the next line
9:44
